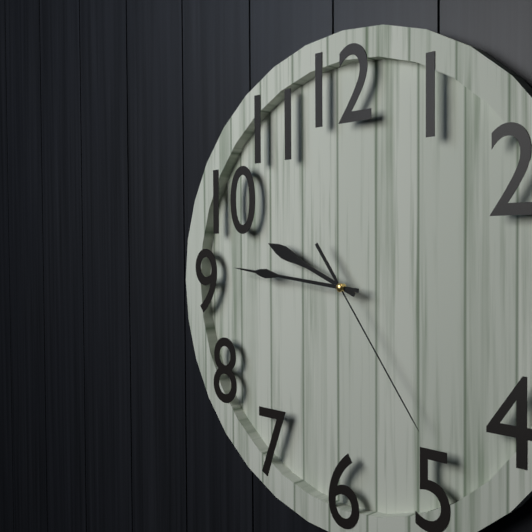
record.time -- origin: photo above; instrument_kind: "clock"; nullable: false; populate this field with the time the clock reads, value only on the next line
9:46:24
